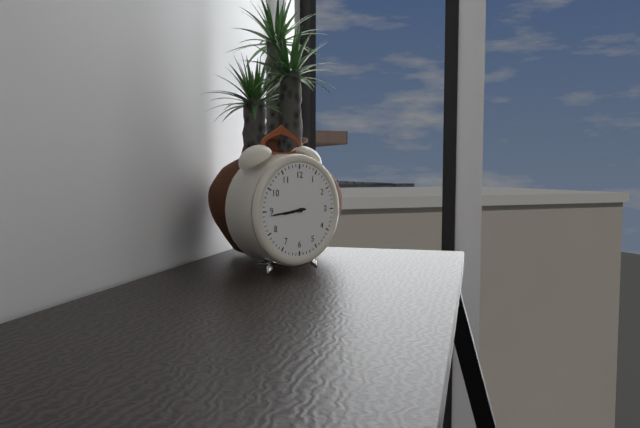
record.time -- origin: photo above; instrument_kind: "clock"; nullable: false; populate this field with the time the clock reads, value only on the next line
8:44
